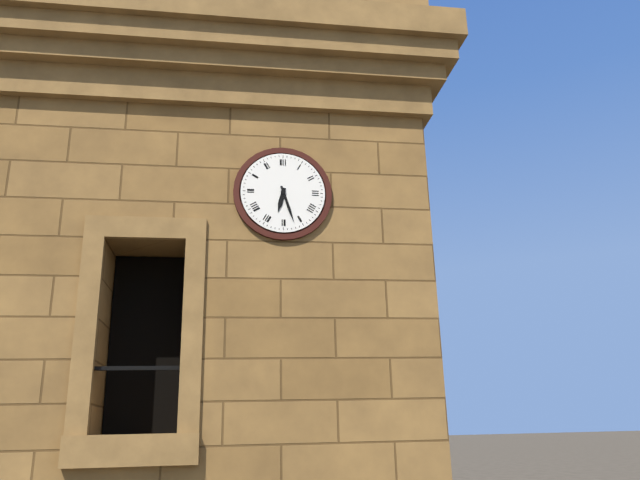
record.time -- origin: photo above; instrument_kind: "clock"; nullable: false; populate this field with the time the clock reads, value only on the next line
6:27
